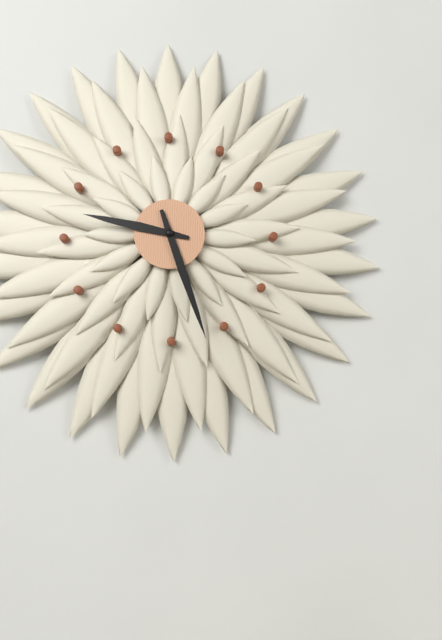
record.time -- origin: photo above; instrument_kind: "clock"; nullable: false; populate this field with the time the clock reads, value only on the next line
9:27
